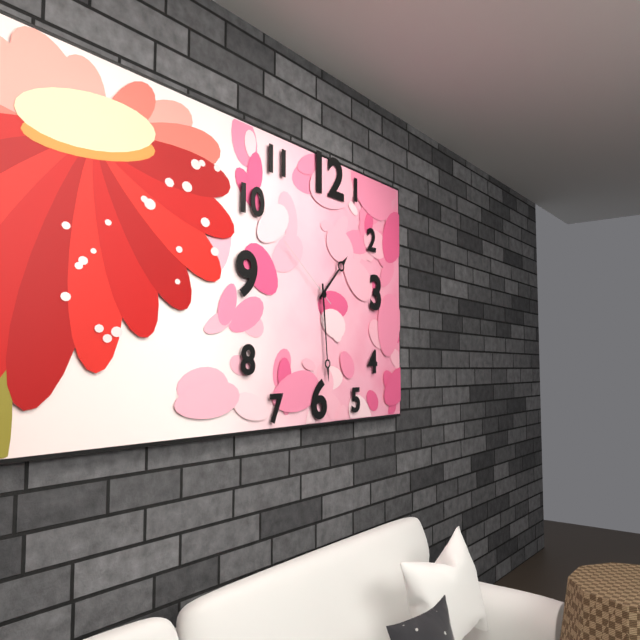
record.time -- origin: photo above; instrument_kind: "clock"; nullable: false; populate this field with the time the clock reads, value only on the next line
1:29:51
